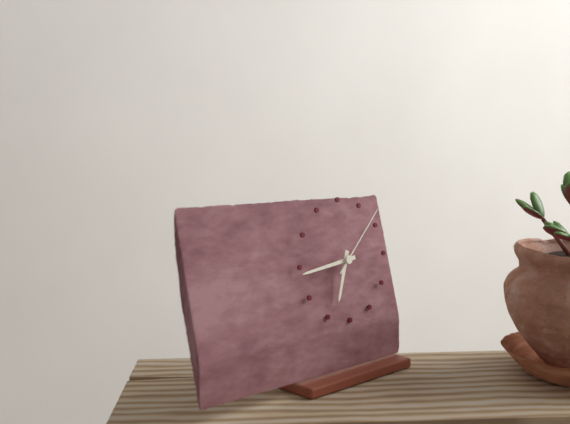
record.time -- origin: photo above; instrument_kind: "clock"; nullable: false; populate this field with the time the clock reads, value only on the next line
6:44:08
